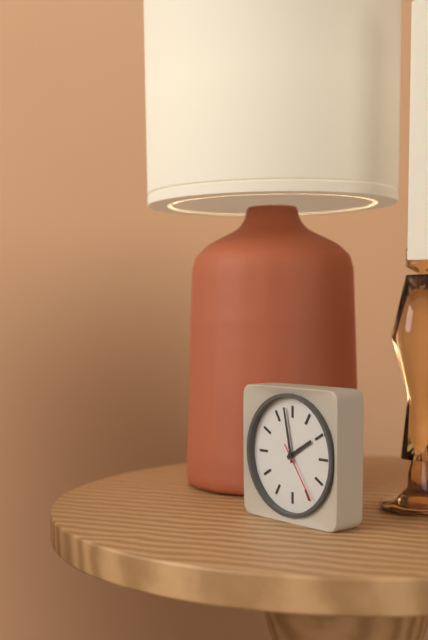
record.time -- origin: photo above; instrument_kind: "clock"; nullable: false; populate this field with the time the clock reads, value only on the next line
1:58:24
